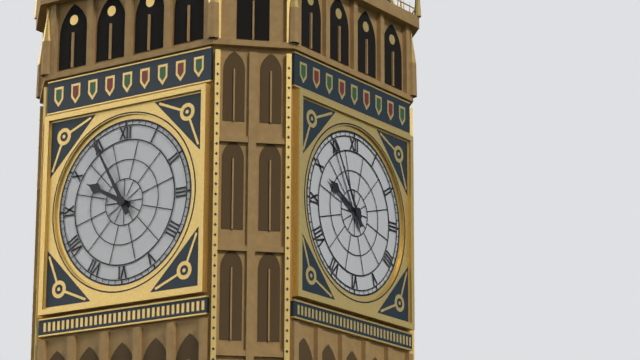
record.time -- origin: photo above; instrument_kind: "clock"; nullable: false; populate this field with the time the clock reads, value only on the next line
9:55
